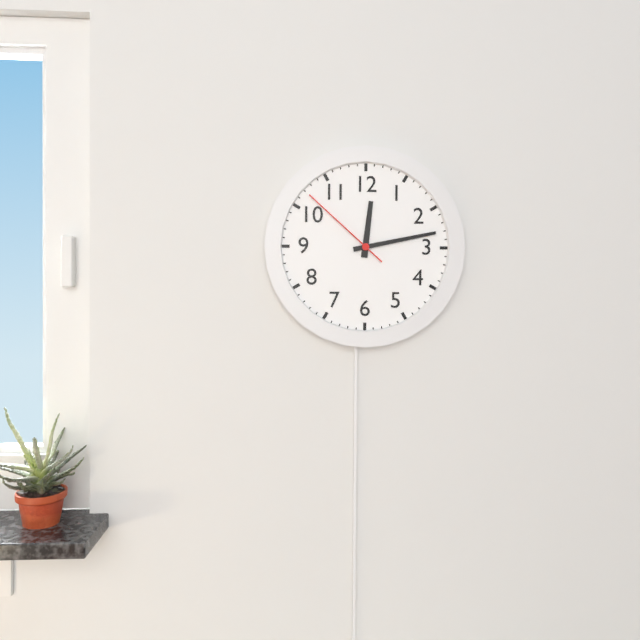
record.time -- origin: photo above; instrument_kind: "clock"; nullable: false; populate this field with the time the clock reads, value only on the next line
12:13:52
